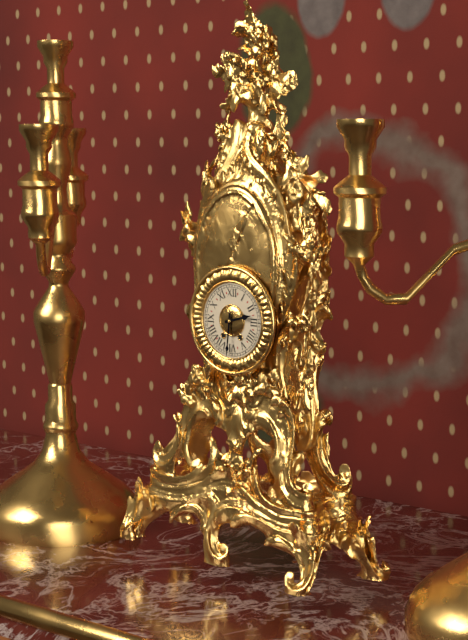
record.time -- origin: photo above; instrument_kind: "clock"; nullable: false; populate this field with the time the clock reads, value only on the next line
2:31
